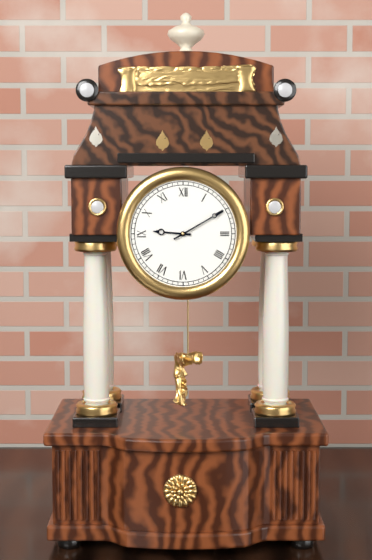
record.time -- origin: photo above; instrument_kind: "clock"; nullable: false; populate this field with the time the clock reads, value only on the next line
9:10
